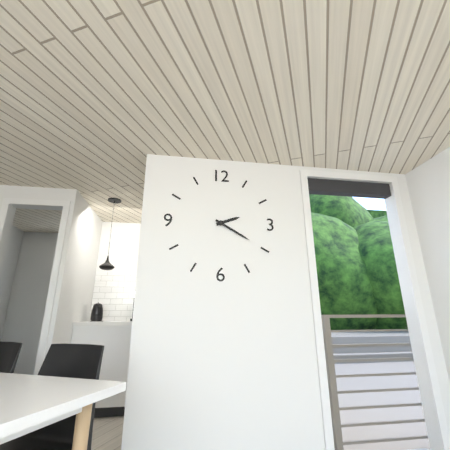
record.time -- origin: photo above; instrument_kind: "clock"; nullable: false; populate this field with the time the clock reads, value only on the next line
2:20
